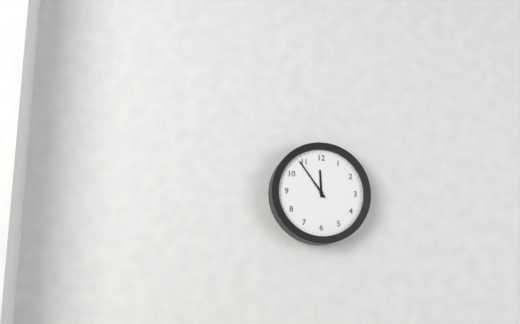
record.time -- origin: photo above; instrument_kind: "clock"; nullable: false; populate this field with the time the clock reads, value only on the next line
11:54
